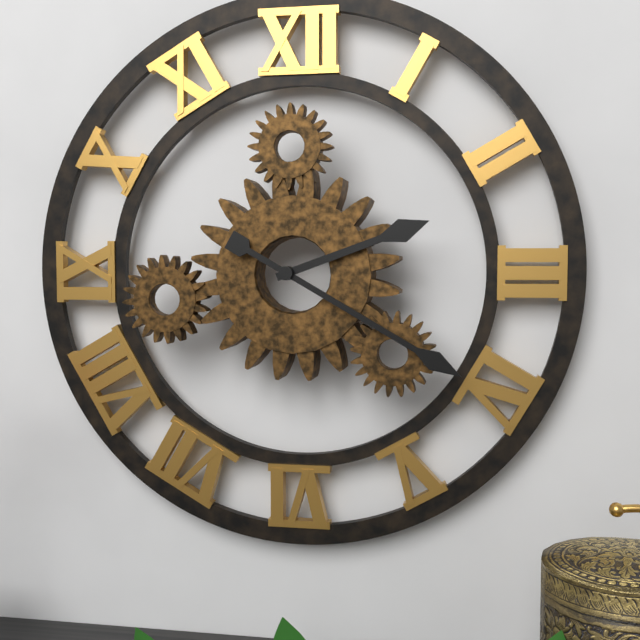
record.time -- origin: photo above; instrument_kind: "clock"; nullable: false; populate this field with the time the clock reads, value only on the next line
2:20
